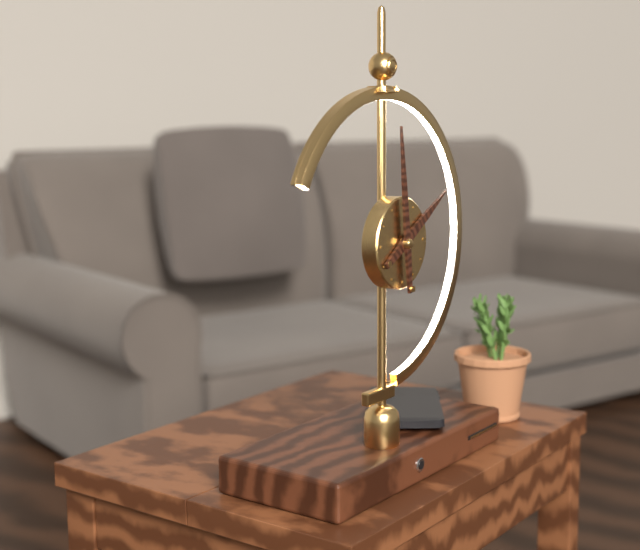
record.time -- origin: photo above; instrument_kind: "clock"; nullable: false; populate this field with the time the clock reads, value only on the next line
1:59
